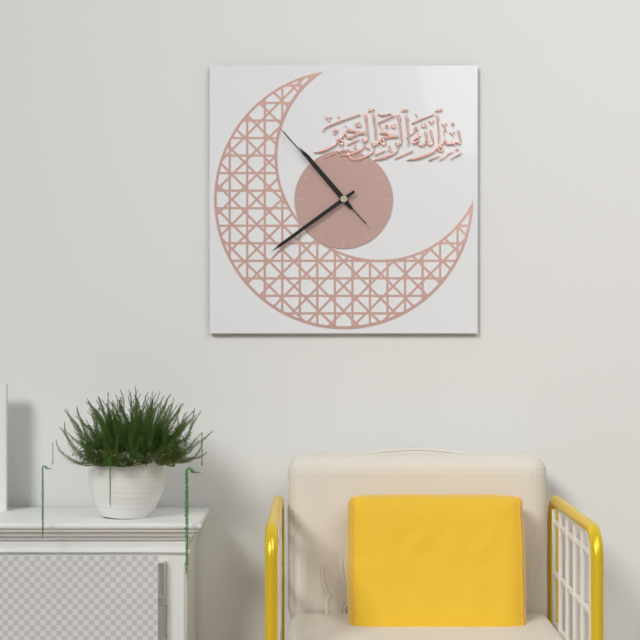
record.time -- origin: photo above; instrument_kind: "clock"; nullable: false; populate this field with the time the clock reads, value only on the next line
10:39:53
